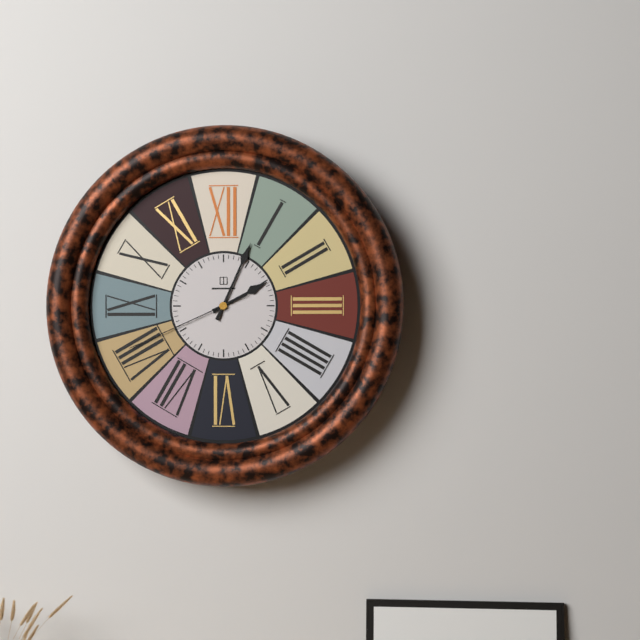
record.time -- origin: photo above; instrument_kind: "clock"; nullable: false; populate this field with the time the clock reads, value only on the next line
2:04:41
